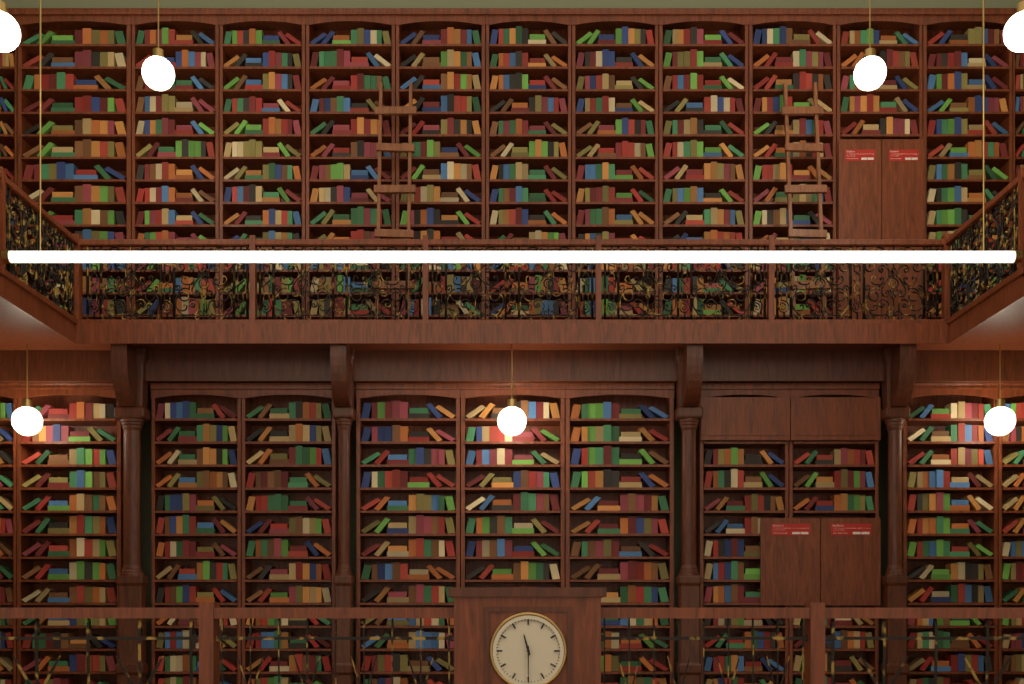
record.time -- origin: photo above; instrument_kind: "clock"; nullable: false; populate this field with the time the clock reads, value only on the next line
11:30
